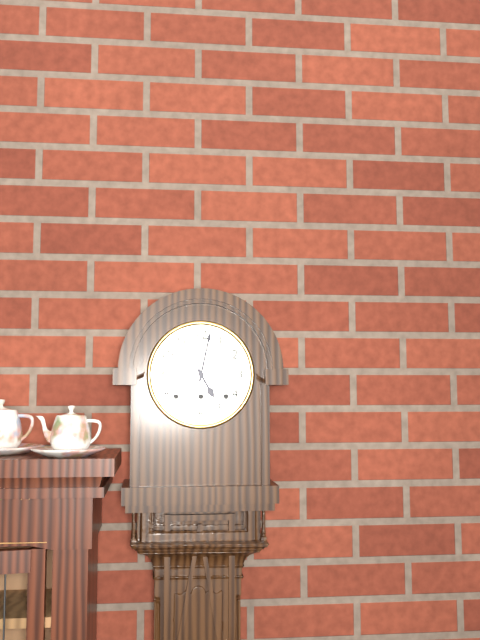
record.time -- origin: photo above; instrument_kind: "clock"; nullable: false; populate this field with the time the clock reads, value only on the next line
5:02
